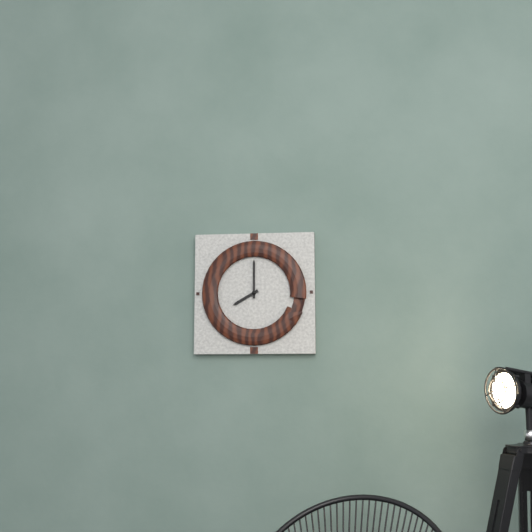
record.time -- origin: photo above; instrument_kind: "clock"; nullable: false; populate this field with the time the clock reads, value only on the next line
8:00
